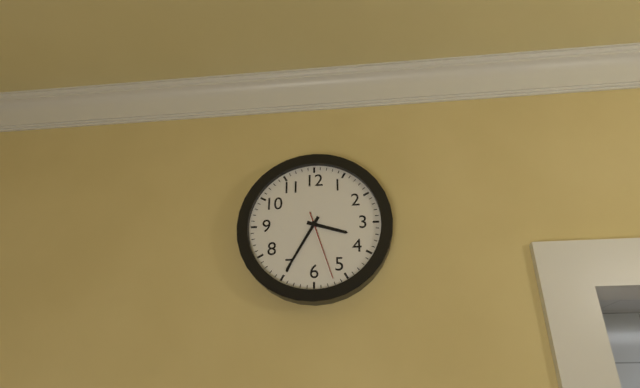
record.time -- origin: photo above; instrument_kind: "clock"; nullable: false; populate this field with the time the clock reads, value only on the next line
3:35:27
